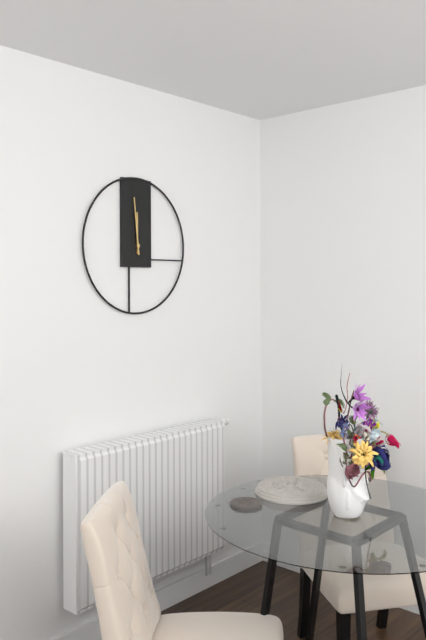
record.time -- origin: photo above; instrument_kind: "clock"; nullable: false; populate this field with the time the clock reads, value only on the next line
11:59
